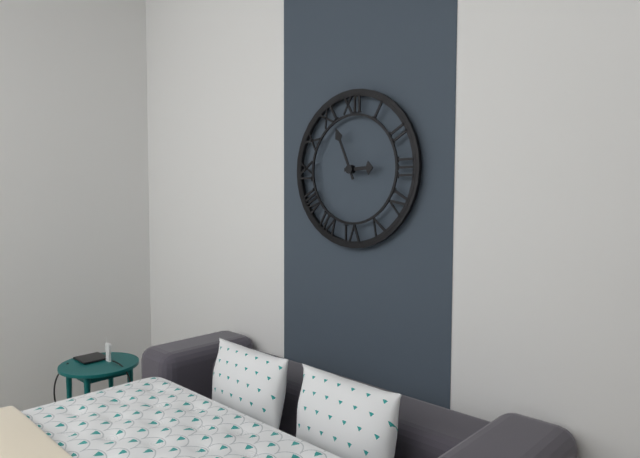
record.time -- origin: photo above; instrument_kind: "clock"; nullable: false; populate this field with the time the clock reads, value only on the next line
2:56
